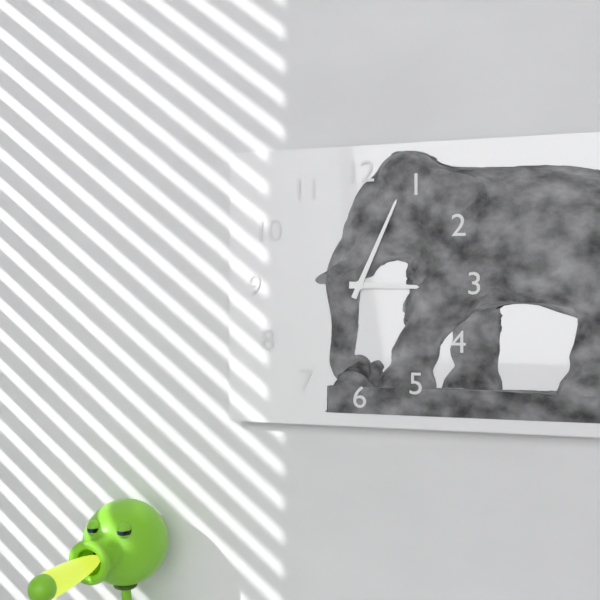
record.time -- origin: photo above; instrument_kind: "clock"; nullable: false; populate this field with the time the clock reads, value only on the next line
3:04
